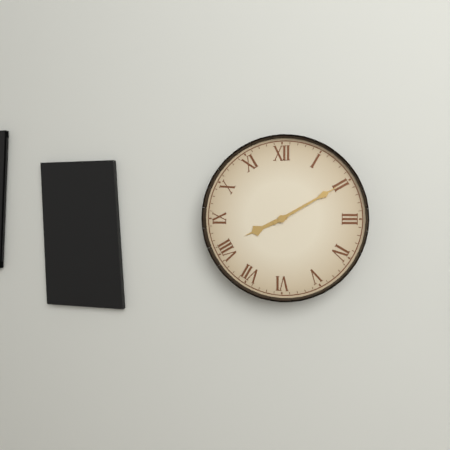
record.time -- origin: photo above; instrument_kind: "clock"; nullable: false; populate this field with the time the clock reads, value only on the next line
8:10
